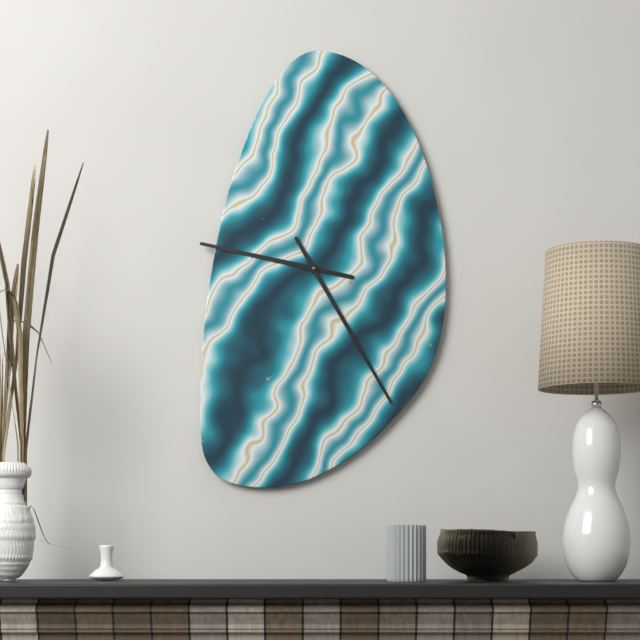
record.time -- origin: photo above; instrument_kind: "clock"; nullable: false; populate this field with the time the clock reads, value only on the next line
9:25
